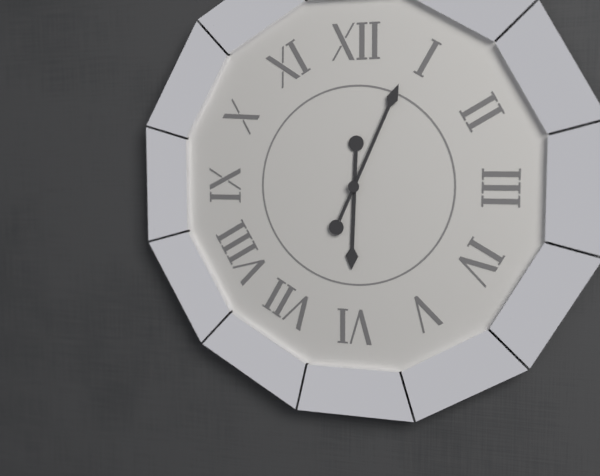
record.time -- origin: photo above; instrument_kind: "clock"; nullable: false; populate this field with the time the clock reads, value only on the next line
6:04
